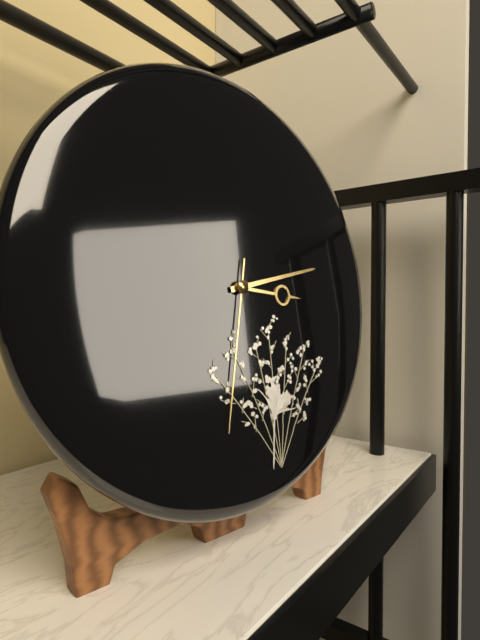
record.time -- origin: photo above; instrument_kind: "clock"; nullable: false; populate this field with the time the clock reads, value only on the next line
3:13:32
